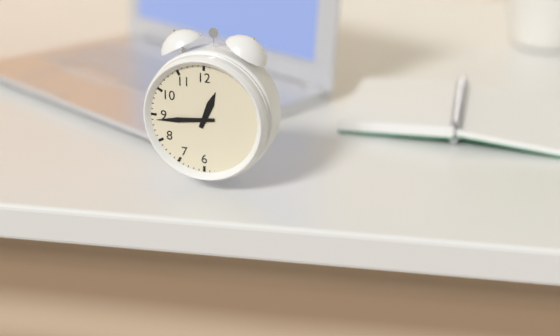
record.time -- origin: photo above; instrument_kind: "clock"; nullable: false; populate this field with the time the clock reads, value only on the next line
12:44
